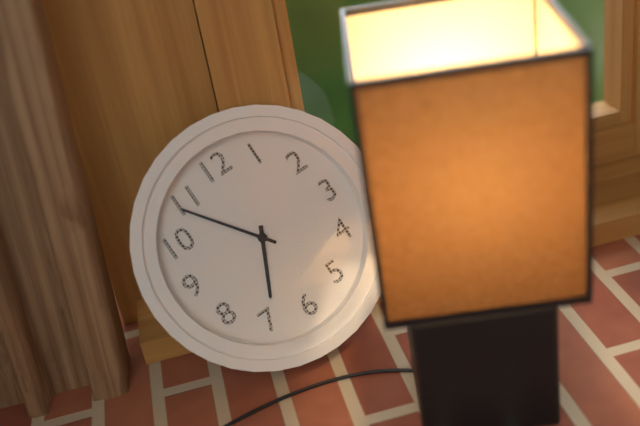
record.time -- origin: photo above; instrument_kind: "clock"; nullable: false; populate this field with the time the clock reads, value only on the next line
6:54
